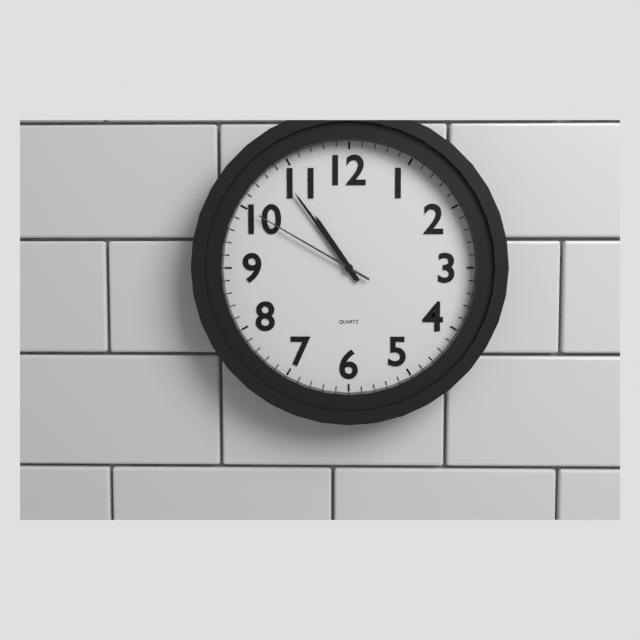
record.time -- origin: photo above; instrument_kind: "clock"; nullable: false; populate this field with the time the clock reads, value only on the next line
10:54:50
